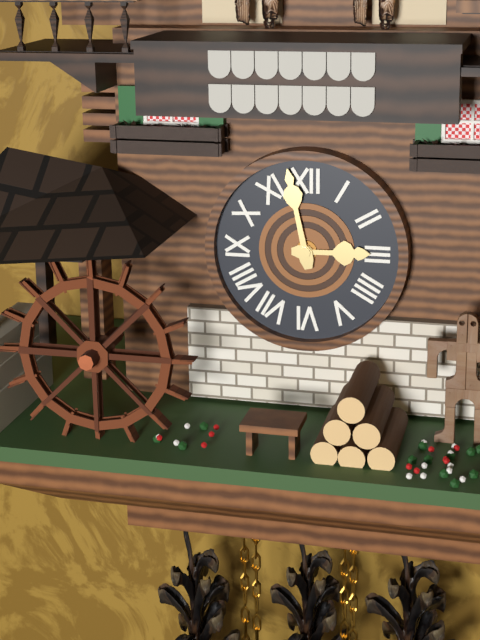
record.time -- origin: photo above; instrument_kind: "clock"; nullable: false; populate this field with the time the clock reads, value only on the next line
2:58
